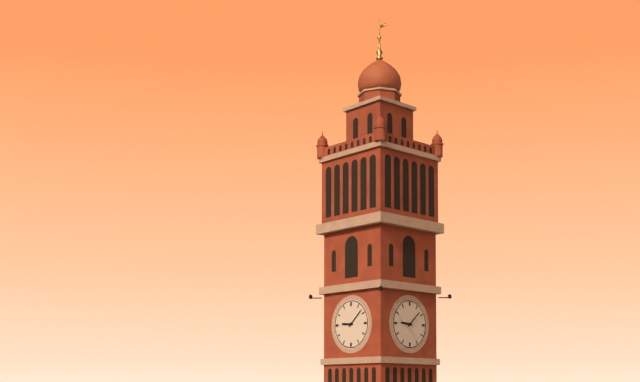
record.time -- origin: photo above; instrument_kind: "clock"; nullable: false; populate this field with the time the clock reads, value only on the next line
9:08
